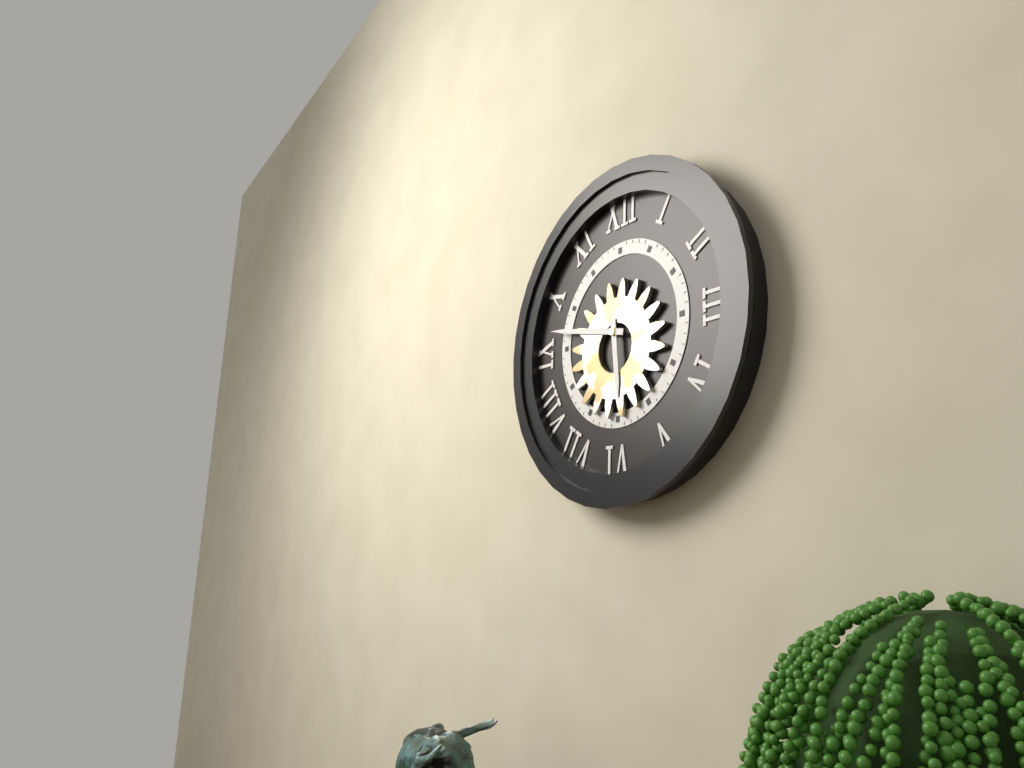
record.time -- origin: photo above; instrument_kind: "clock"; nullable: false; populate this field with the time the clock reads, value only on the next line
5:47
